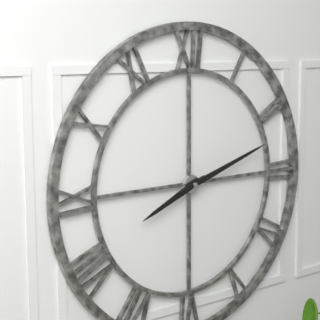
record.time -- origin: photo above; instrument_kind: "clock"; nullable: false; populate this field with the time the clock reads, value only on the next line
8:12
